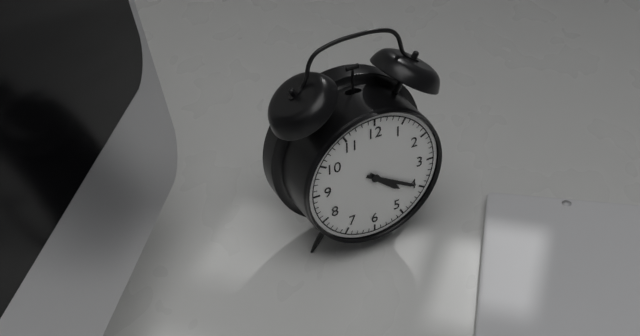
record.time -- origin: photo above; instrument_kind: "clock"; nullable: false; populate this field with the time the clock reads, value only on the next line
4:20
